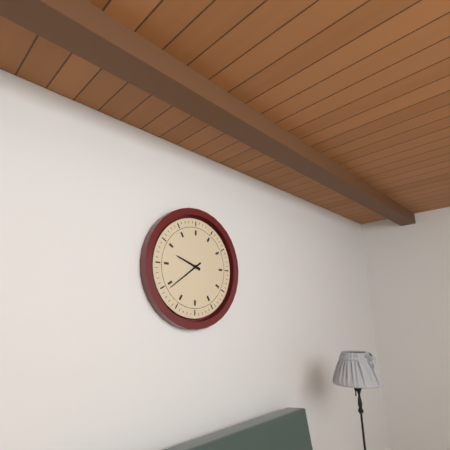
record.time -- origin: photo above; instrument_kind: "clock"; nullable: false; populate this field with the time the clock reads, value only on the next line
9:39
